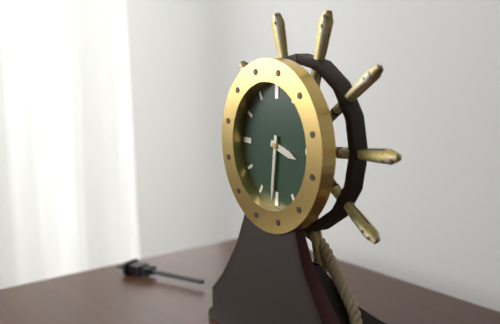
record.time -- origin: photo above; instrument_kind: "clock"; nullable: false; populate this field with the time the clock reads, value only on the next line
3:31
